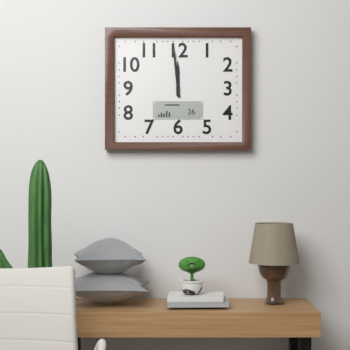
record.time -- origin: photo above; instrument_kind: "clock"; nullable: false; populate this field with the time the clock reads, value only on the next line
11:59
